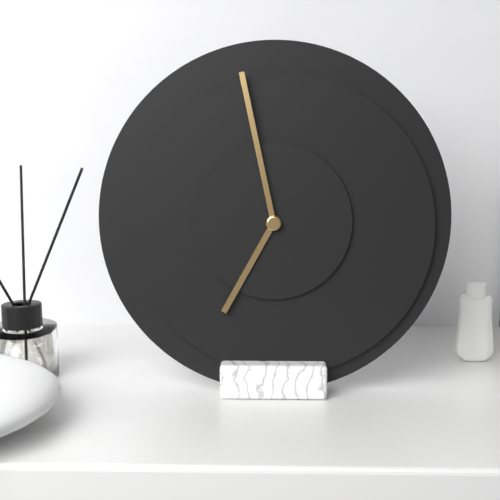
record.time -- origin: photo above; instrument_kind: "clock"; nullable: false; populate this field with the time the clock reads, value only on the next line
6:58
